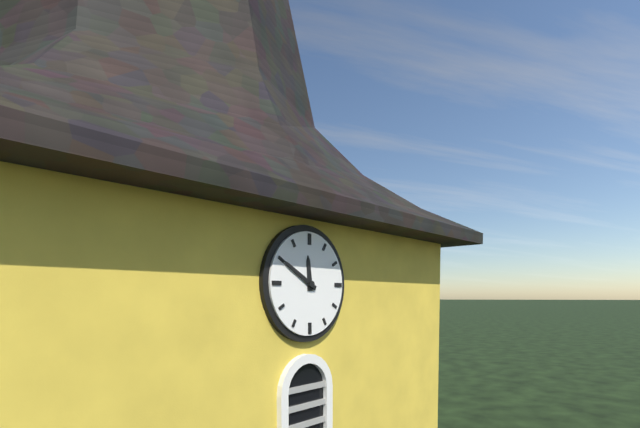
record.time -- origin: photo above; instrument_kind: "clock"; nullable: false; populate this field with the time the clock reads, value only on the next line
11:50
